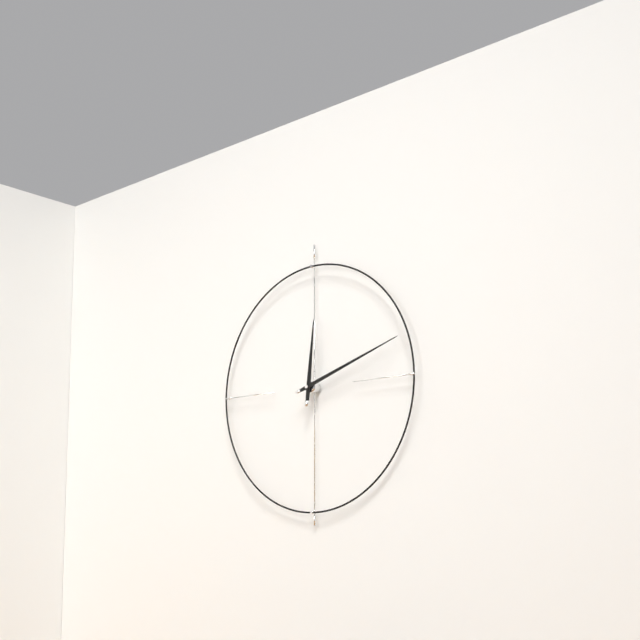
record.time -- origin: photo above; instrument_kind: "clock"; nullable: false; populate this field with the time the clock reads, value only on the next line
12:12
